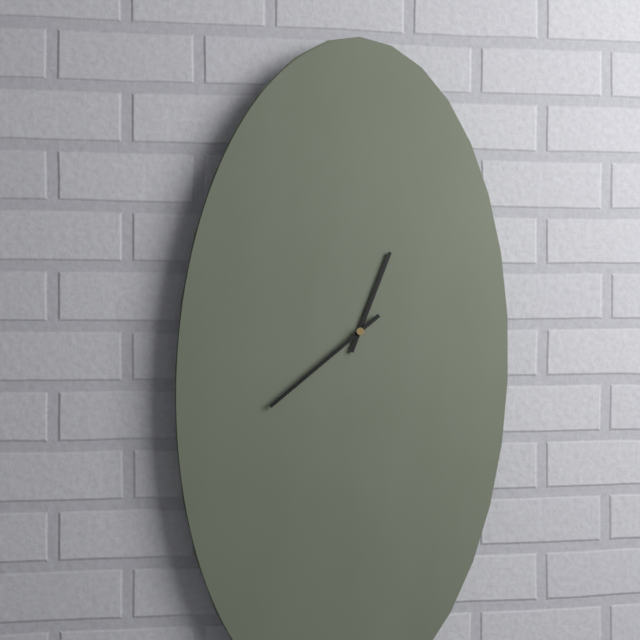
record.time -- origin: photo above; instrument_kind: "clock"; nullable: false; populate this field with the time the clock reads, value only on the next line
12:38
